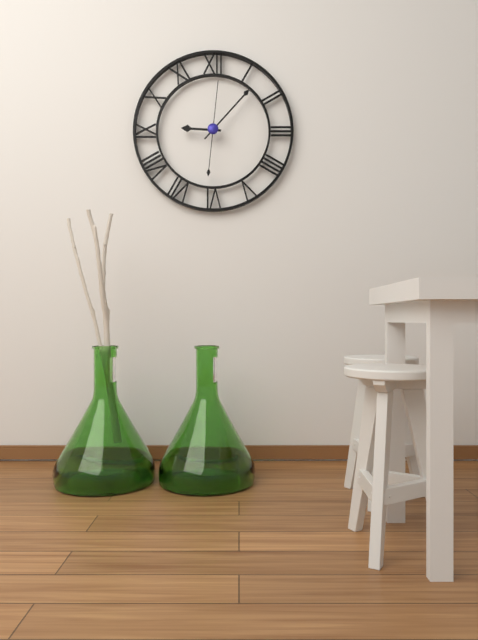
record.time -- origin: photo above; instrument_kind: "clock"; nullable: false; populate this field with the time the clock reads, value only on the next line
9:07:01
